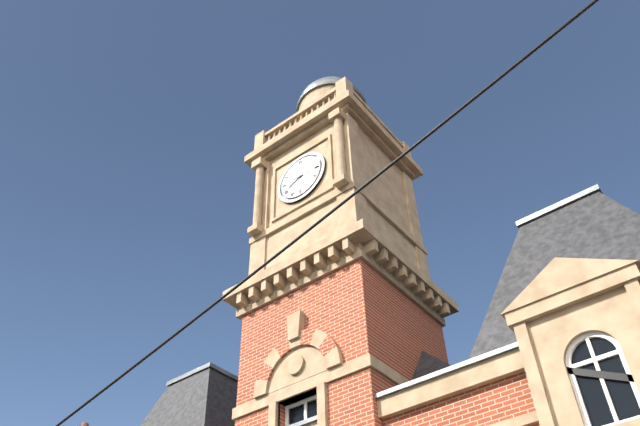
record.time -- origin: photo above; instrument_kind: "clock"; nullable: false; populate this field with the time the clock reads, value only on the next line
8:15
